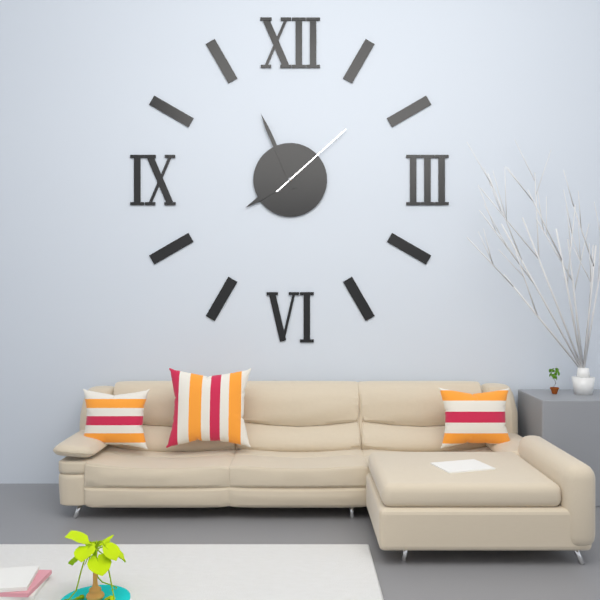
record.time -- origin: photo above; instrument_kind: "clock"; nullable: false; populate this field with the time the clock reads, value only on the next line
7:56:08
